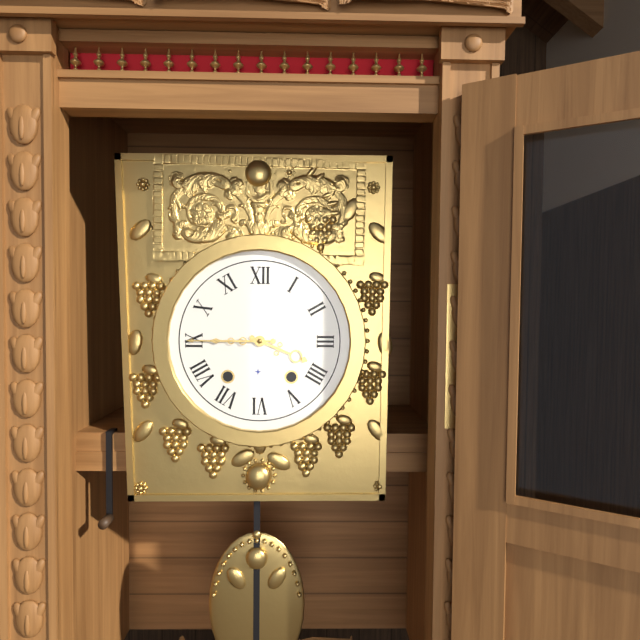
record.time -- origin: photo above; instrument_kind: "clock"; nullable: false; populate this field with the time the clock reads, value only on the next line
3:45
